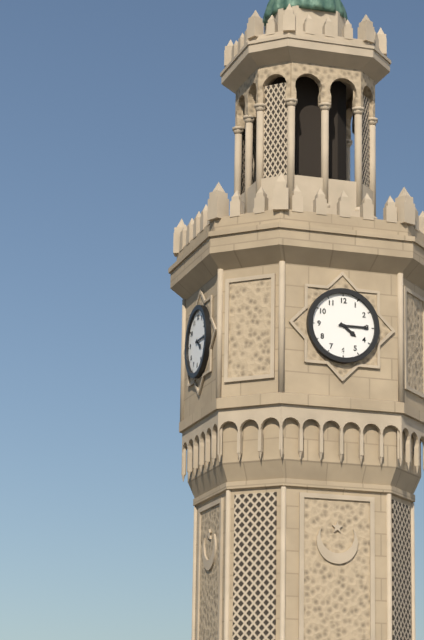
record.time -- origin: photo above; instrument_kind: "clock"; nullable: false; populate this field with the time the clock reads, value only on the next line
4:15
